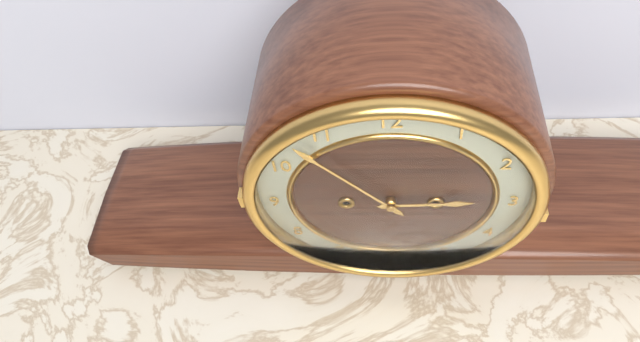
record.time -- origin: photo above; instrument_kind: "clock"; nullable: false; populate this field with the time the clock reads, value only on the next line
2:53
